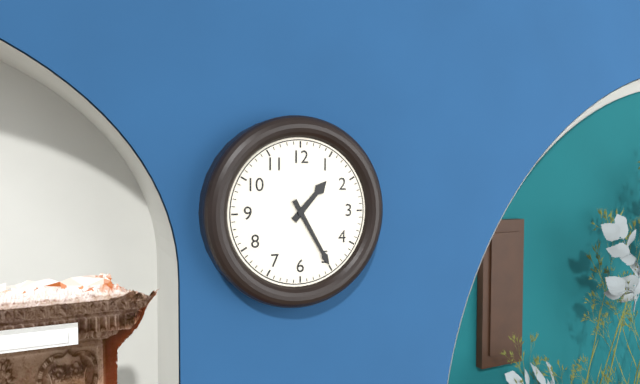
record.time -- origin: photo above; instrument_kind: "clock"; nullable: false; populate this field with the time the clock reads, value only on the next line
1:25
